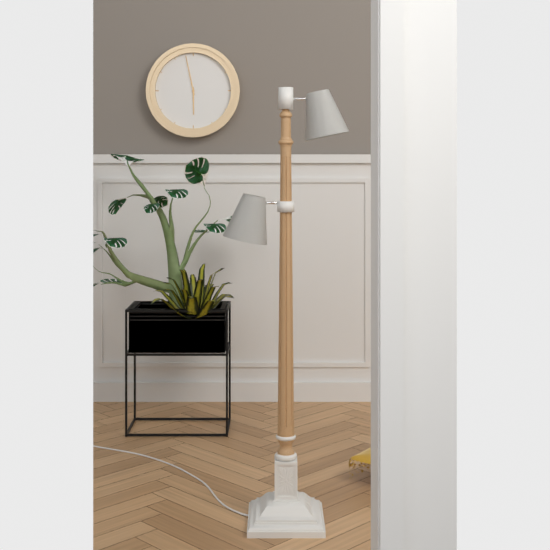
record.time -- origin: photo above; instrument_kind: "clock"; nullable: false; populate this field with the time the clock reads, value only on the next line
5:58
